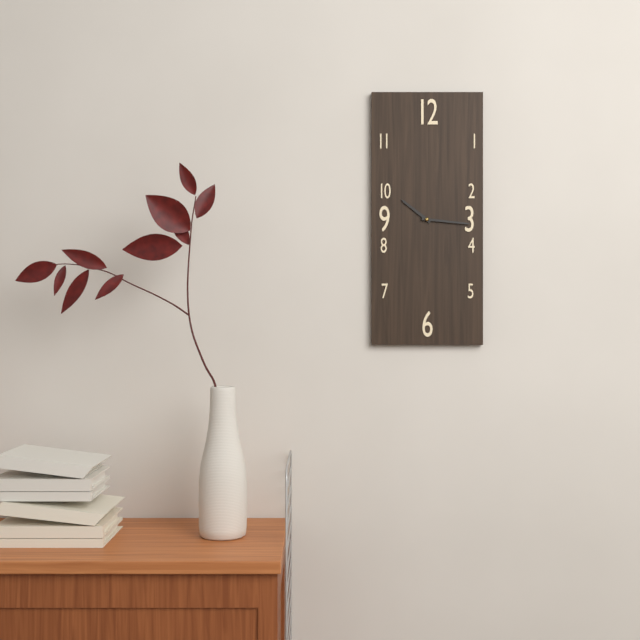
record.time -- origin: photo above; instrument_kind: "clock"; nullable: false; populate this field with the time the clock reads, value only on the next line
10:16
